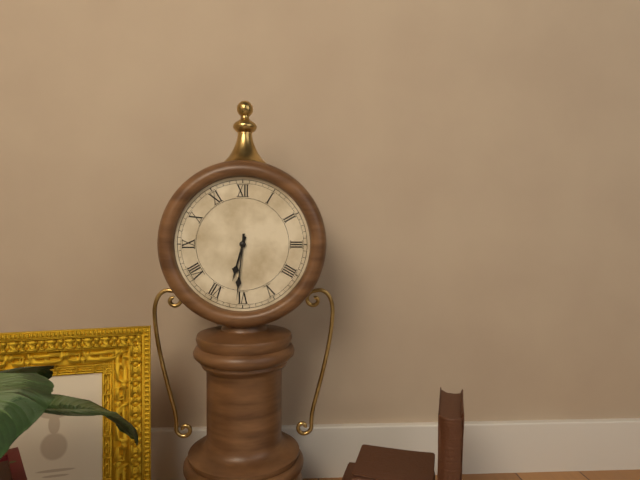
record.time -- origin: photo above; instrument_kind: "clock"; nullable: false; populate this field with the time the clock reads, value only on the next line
6:31
